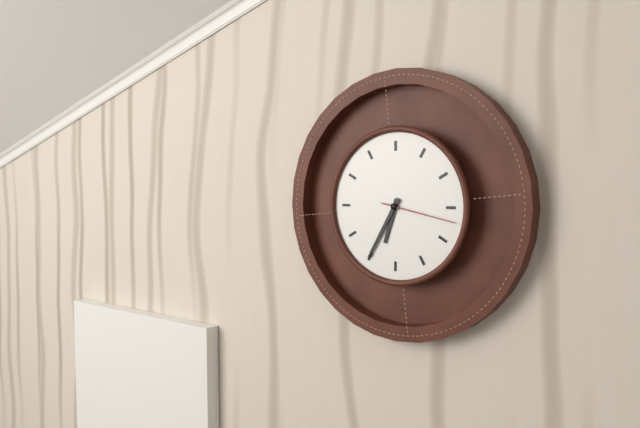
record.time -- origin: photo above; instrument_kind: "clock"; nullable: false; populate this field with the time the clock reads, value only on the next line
6:35:17
